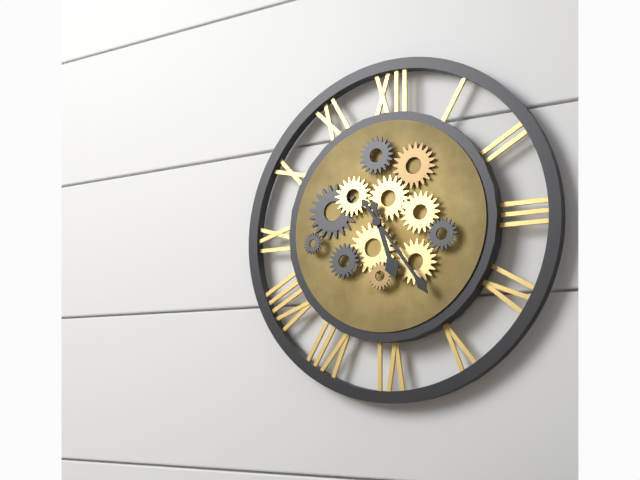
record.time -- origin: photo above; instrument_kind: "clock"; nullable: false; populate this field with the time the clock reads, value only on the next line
5:24
